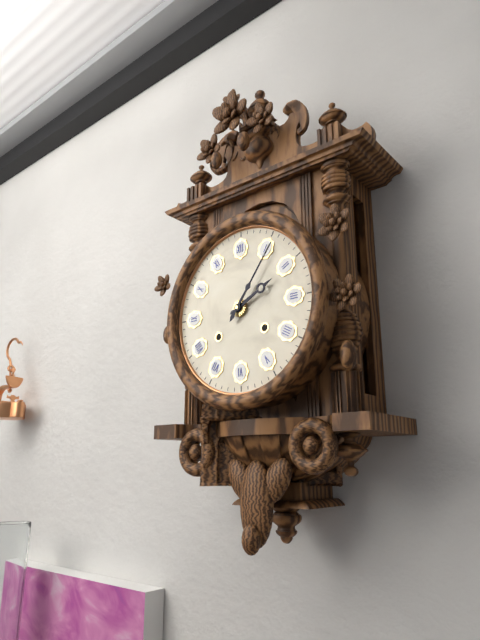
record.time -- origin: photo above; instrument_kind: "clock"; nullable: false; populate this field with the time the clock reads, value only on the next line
2:06
